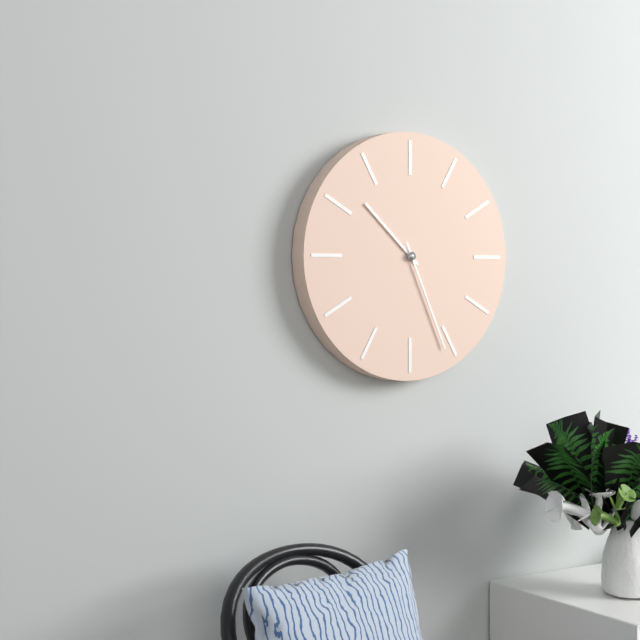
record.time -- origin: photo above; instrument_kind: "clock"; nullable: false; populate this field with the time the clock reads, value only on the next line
10:26
